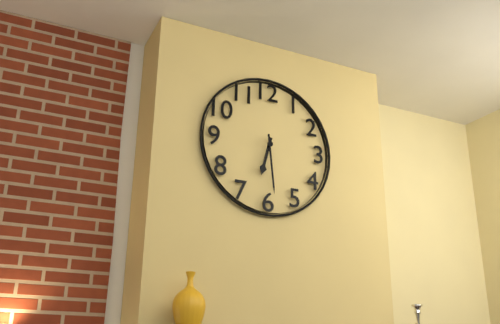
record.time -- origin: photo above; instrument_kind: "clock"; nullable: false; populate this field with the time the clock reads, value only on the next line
6:29
